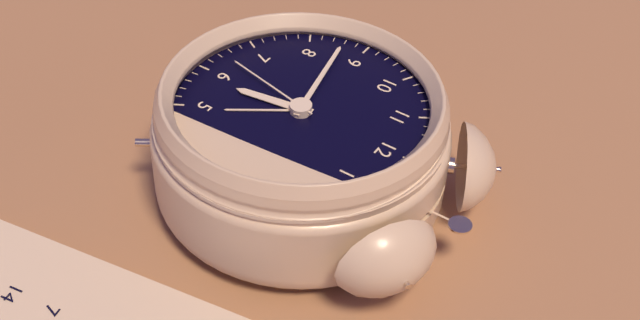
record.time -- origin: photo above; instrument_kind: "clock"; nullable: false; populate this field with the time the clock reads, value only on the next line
5:43:32
